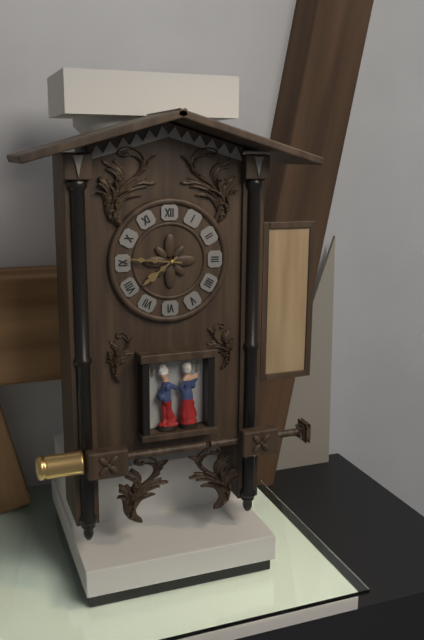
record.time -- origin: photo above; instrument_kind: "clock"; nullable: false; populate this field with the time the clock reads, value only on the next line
7:46
